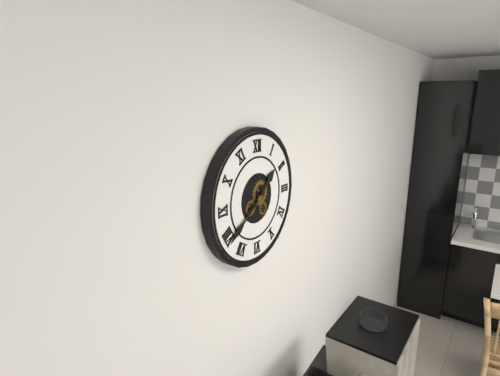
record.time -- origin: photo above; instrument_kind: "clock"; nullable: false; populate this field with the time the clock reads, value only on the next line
1:39
